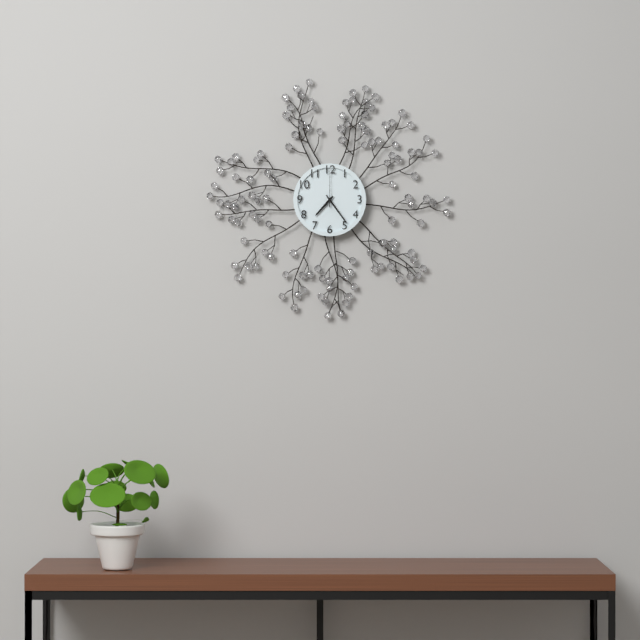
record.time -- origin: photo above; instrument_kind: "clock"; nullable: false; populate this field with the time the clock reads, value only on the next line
7:24
